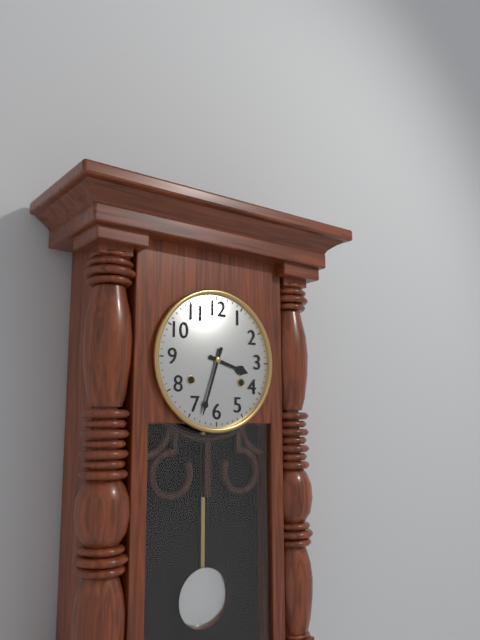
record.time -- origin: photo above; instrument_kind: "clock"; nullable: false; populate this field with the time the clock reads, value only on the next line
3:33
